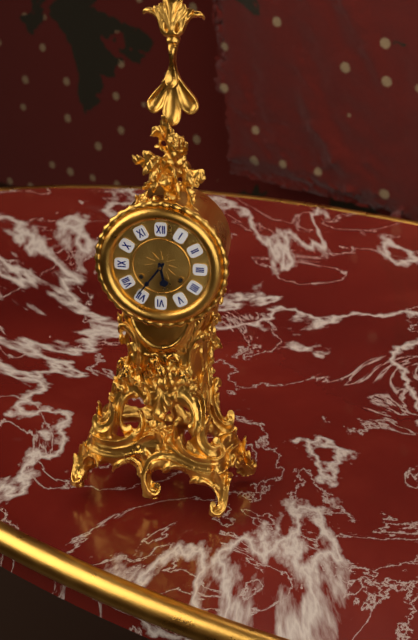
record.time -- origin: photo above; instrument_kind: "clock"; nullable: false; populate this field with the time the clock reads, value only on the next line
5:36
